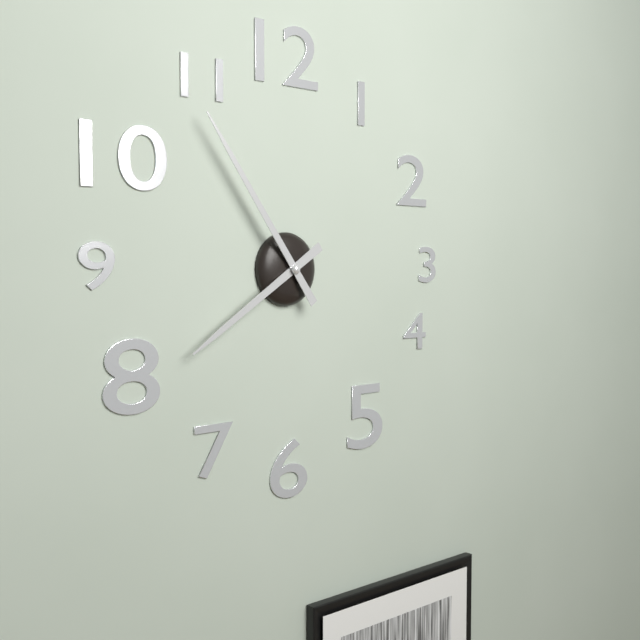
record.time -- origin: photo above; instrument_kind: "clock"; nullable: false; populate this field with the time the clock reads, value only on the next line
7:54
